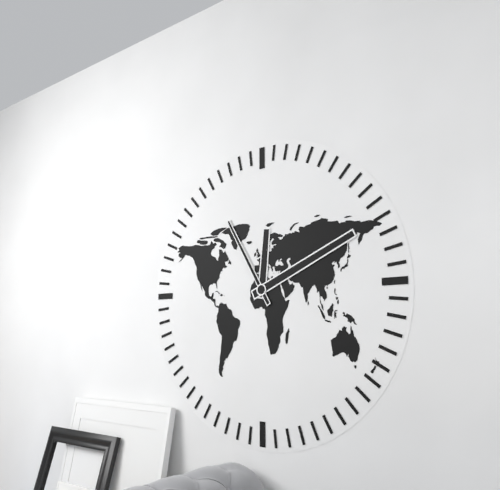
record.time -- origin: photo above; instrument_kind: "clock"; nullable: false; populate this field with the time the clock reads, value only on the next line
12:11:55
